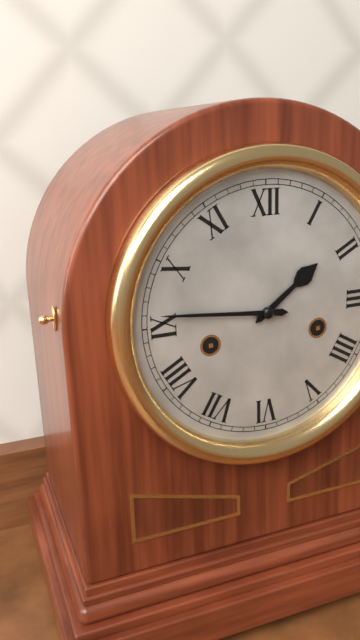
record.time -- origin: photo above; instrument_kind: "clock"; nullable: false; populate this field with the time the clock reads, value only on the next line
1:46
